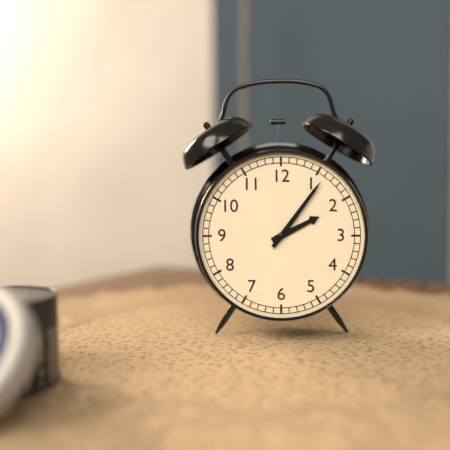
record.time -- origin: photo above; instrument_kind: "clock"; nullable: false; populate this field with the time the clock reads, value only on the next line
2:06
